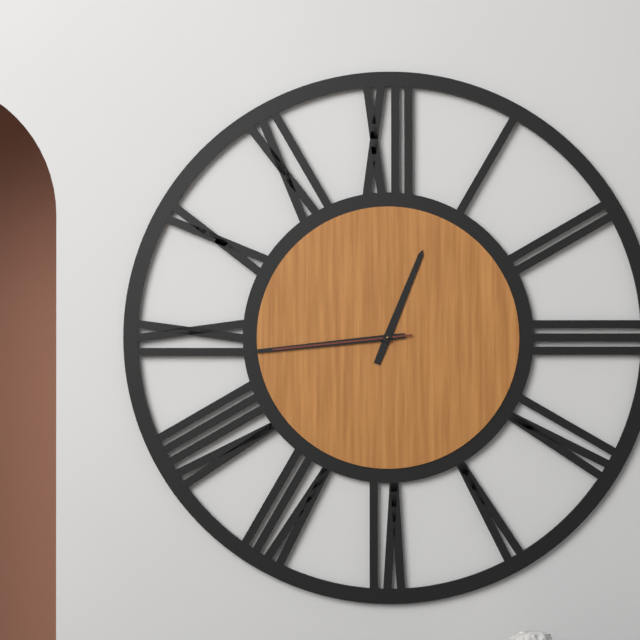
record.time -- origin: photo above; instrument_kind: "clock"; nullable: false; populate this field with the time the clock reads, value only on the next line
12:44:44
